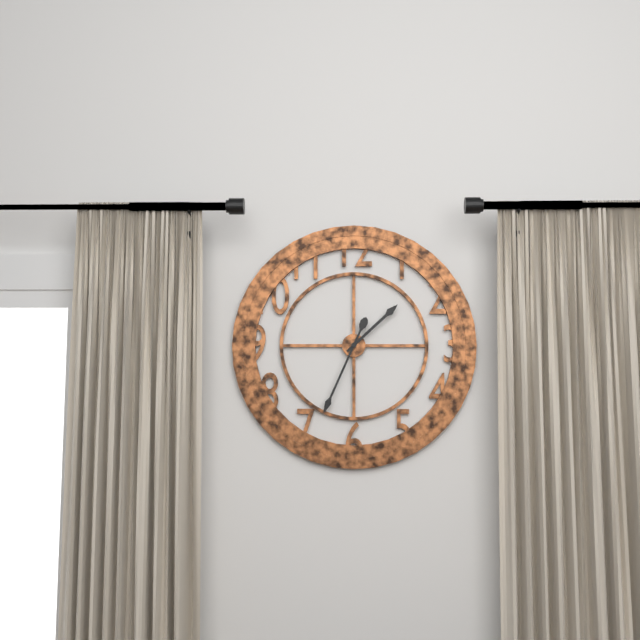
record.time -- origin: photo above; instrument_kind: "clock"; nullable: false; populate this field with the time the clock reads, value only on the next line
1:34
